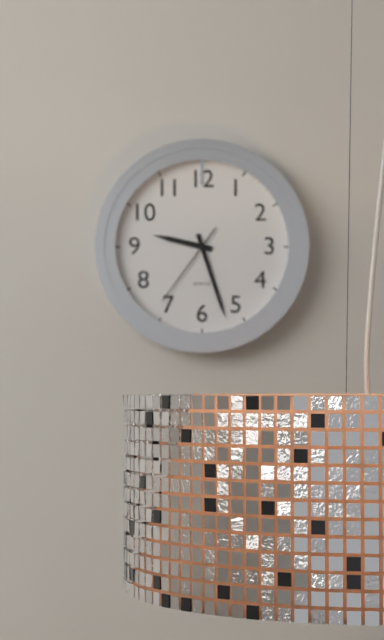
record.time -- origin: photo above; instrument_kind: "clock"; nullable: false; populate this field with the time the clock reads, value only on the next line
9:27:36
